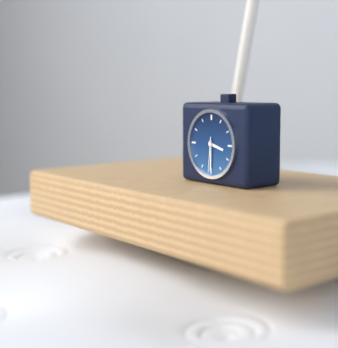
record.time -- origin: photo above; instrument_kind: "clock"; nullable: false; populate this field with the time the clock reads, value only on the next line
3:30
